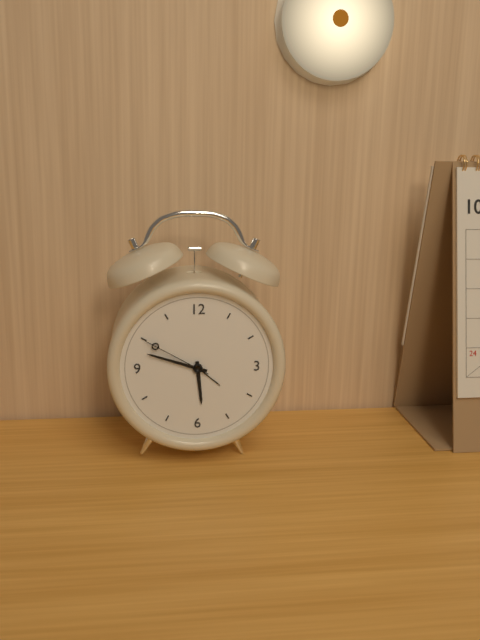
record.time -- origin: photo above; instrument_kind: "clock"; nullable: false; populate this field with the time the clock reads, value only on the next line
5:48:50
